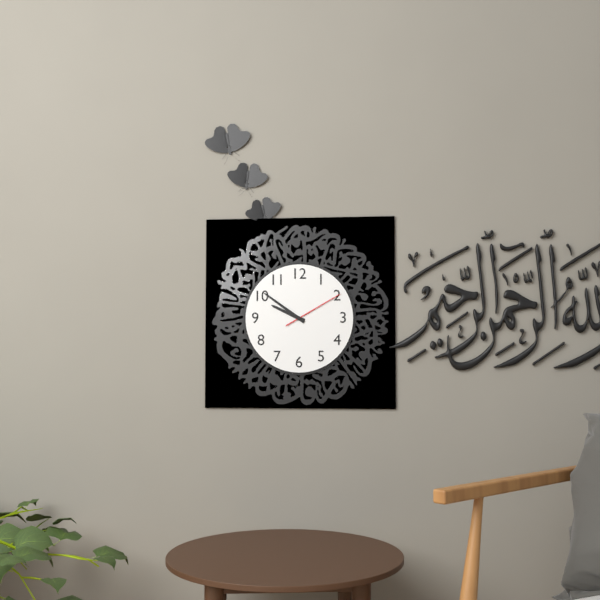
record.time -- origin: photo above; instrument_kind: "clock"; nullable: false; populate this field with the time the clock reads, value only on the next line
9:51:10
